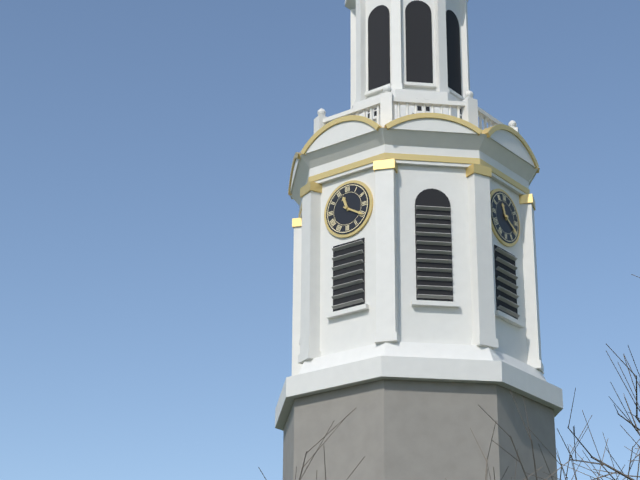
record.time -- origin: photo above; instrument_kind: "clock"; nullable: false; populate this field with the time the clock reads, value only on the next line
11:20
